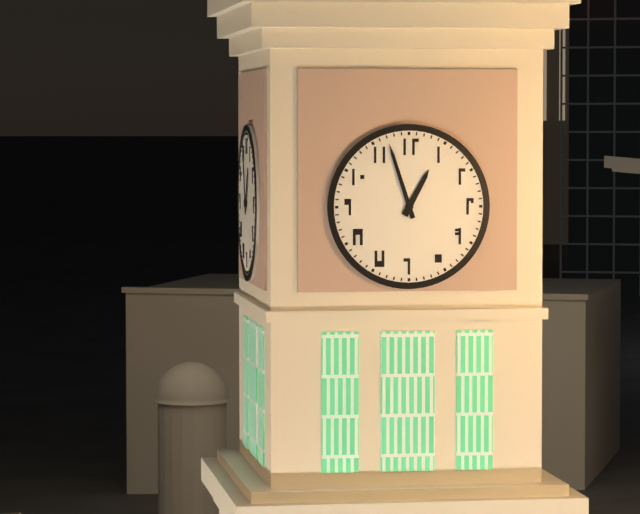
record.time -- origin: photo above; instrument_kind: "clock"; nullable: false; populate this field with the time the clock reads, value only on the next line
12:57
